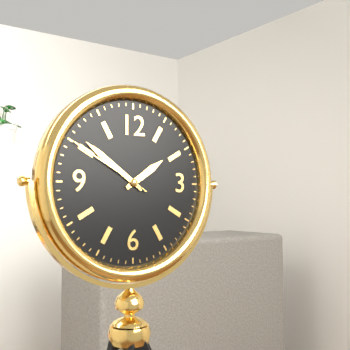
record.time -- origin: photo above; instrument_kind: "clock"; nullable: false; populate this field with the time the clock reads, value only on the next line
1:51:50
